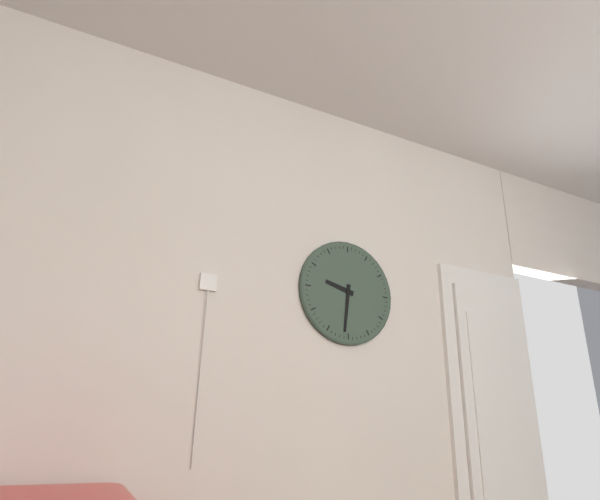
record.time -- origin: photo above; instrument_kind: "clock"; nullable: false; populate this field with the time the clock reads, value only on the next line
9:31
